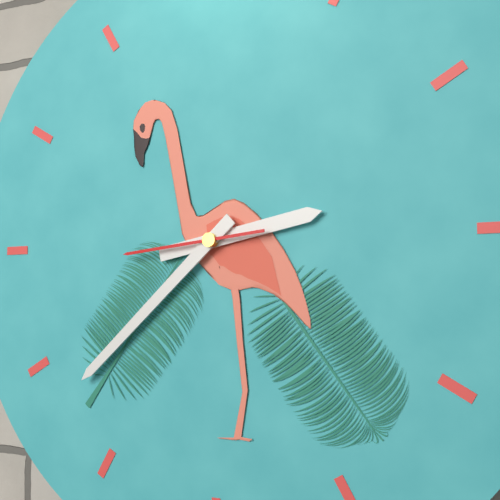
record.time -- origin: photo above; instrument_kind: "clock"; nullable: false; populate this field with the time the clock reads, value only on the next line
2:38:44
